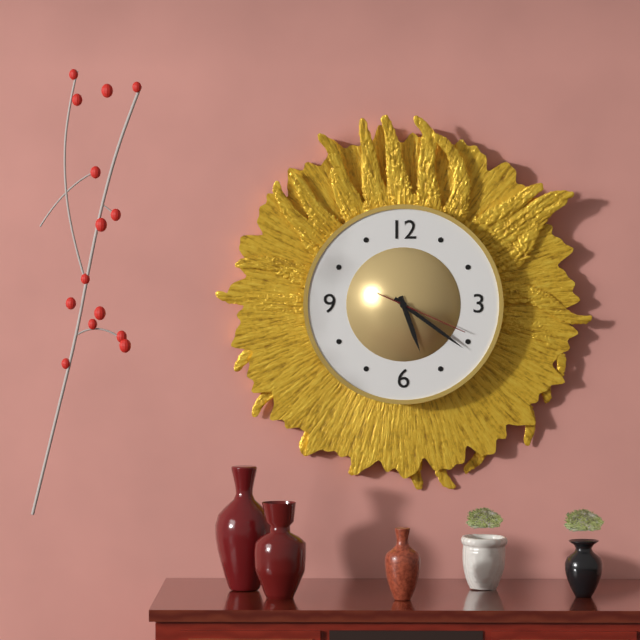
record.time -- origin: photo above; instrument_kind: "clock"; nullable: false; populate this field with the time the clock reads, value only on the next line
5:21:19
